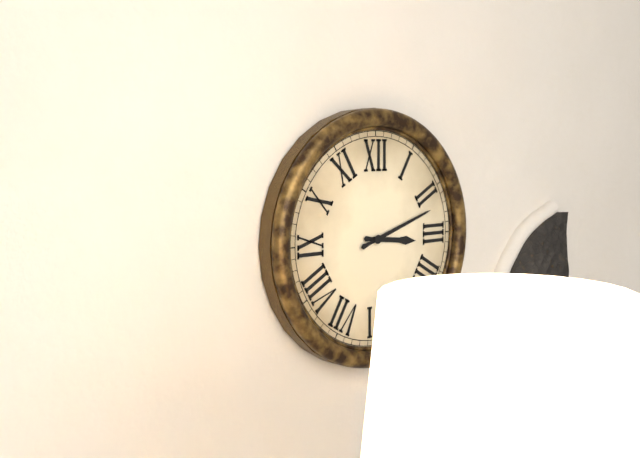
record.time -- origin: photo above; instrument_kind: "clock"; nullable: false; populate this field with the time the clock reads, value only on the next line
3:12
